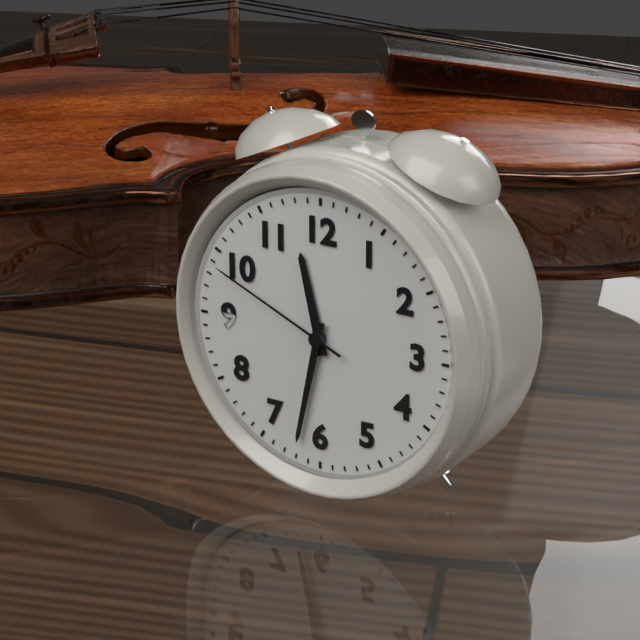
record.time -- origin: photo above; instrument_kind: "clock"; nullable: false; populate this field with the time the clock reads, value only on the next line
11:32:49
